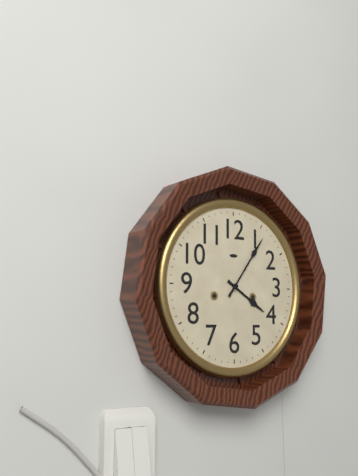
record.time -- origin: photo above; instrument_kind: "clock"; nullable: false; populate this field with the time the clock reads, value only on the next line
4:06
